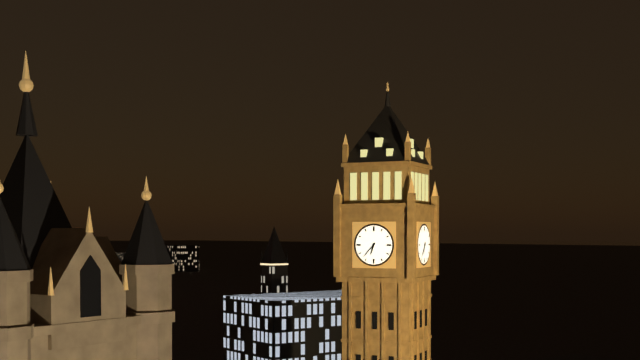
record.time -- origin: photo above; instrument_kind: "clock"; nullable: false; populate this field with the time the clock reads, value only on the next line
6:37
